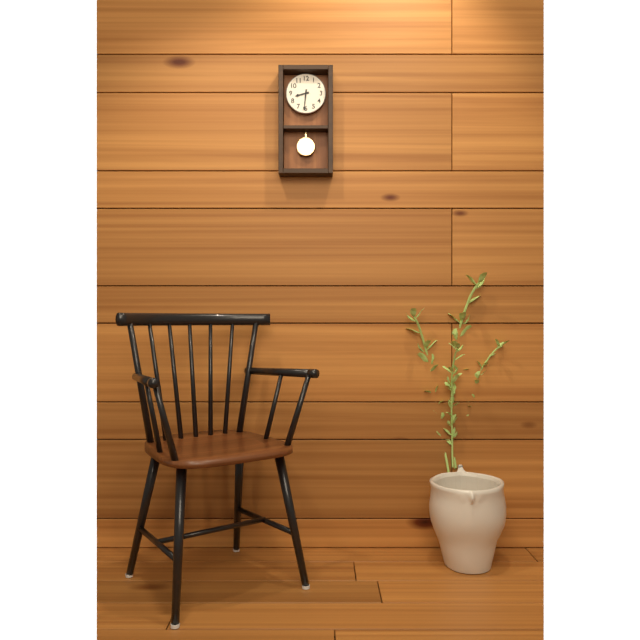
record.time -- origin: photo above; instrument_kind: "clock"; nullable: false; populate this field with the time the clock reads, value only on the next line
8:31
